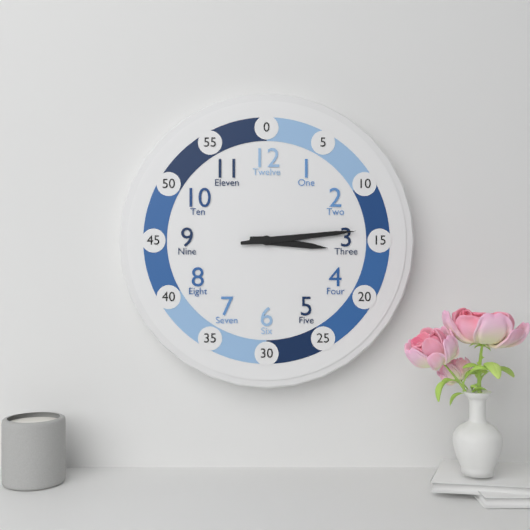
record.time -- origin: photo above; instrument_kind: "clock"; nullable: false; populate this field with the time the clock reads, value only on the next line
3:14
